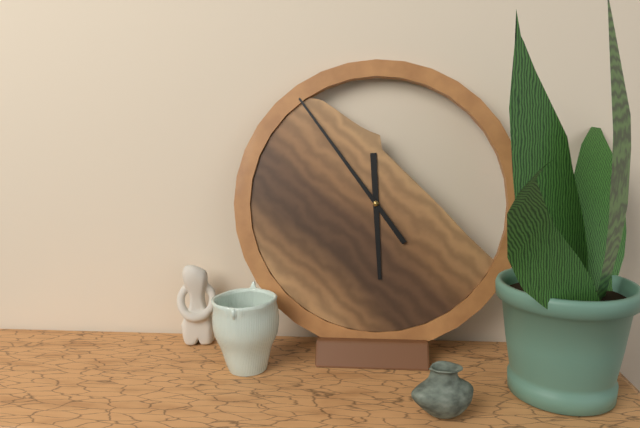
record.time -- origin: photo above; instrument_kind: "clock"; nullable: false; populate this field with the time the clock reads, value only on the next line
5:54
